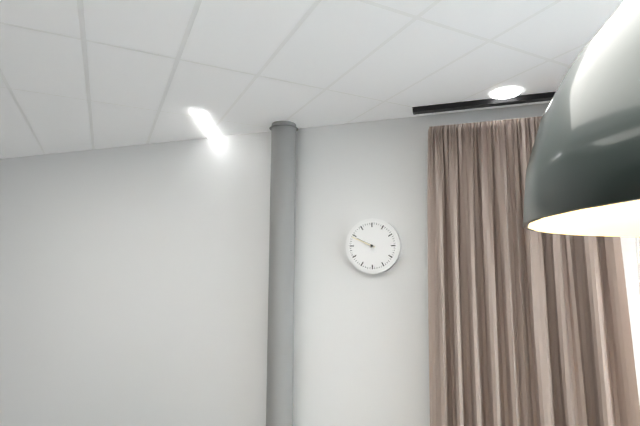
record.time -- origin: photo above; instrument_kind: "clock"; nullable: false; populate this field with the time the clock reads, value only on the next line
9:49
